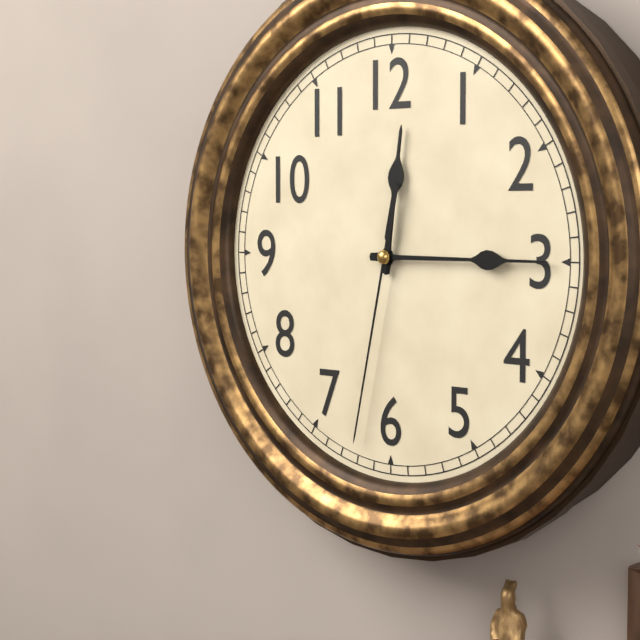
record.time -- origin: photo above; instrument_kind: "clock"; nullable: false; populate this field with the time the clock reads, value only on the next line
12:15:32
